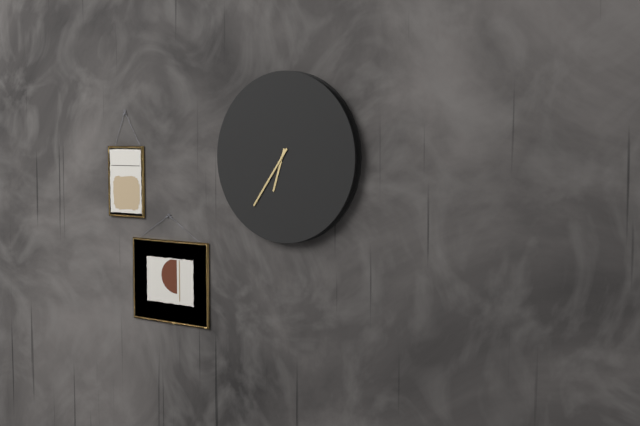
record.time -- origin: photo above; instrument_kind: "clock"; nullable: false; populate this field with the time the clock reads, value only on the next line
6:36
